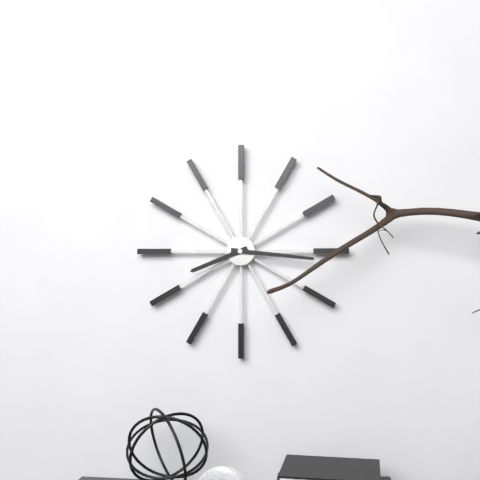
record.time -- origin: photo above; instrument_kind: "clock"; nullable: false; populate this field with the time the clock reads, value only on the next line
8:16
